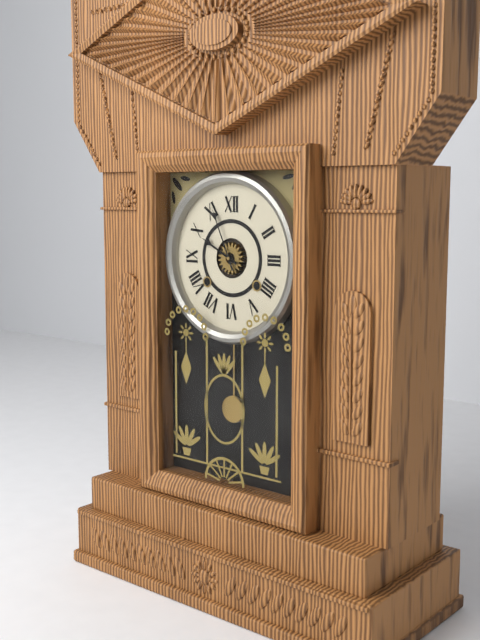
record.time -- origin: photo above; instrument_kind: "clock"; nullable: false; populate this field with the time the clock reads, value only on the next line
9:56
